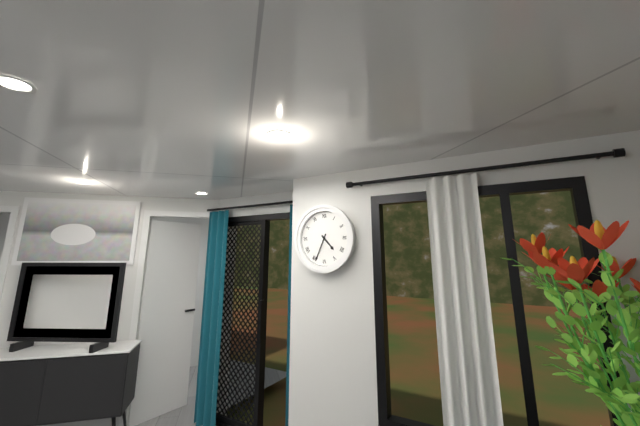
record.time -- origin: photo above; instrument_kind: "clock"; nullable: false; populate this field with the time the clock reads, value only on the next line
4:34
